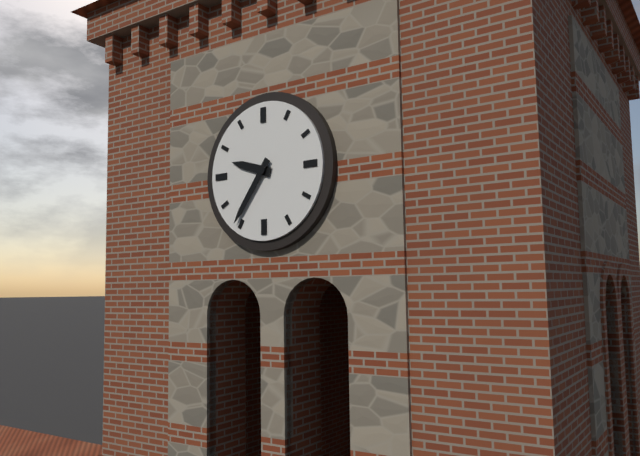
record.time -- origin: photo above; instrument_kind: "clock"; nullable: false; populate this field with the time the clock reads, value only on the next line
9:36
